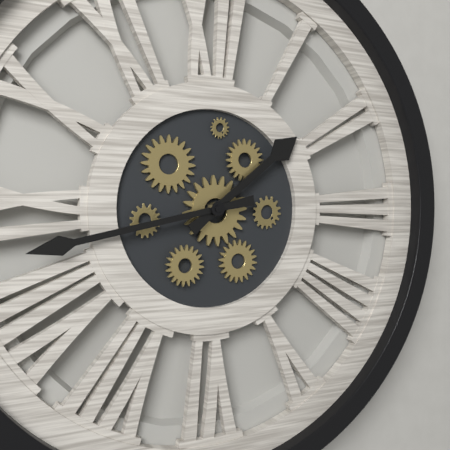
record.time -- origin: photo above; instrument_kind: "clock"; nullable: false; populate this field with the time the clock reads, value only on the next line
1:43
